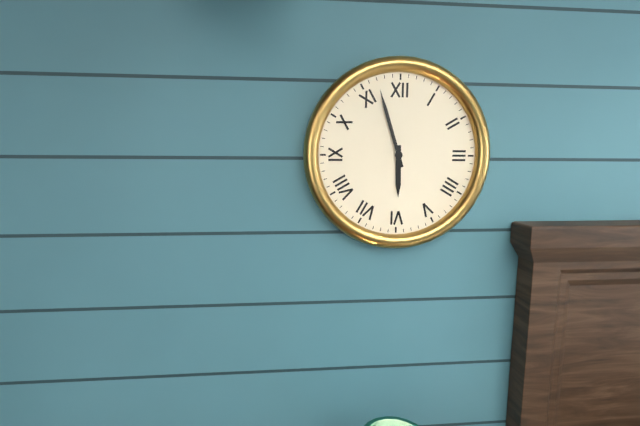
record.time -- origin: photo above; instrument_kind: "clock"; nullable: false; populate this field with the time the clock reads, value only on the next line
5:57
